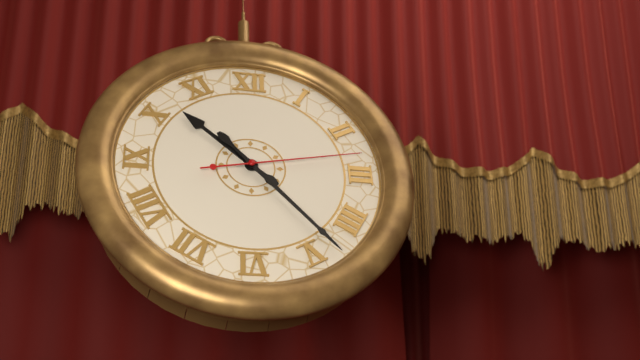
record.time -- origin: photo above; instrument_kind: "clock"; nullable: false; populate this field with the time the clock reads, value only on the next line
10:23:13
